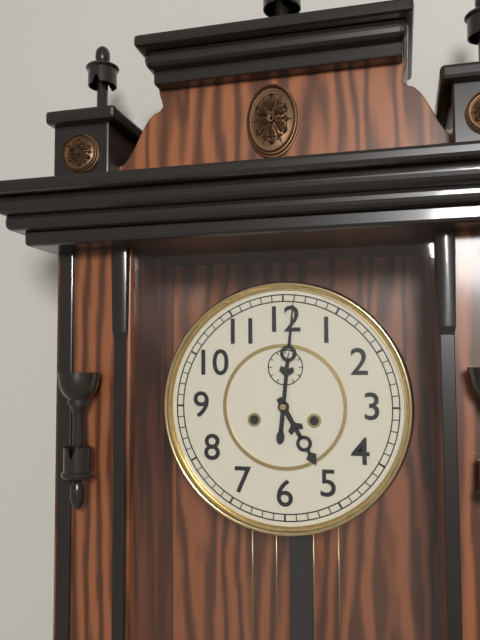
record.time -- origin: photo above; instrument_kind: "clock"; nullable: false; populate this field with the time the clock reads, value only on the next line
5:01
